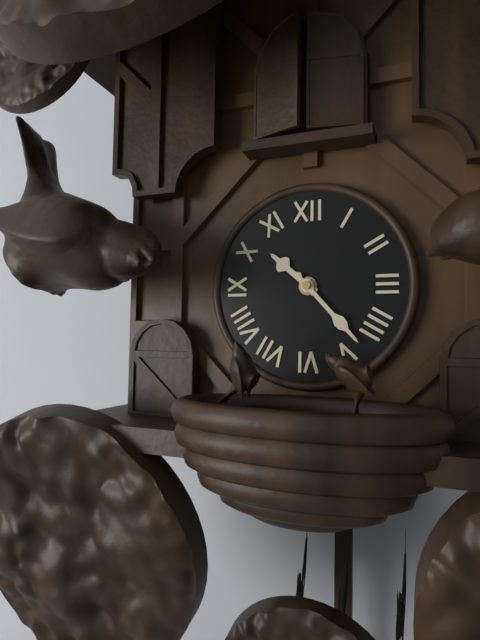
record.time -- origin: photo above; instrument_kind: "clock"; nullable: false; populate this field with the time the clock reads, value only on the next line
10:23
